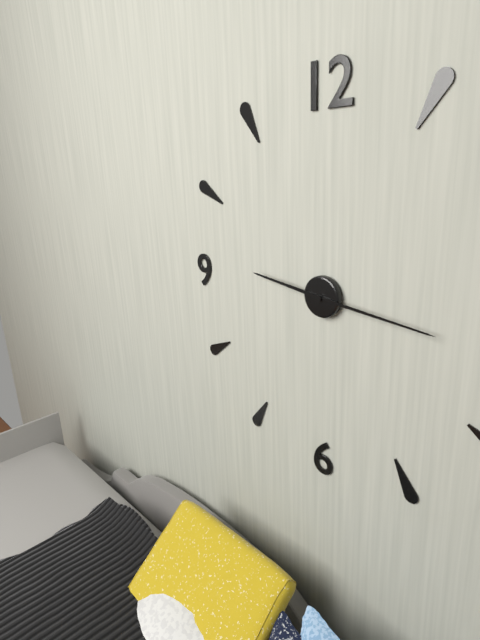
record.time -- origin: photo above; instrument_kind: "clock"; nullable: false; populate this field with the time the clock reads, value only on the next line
9:16
